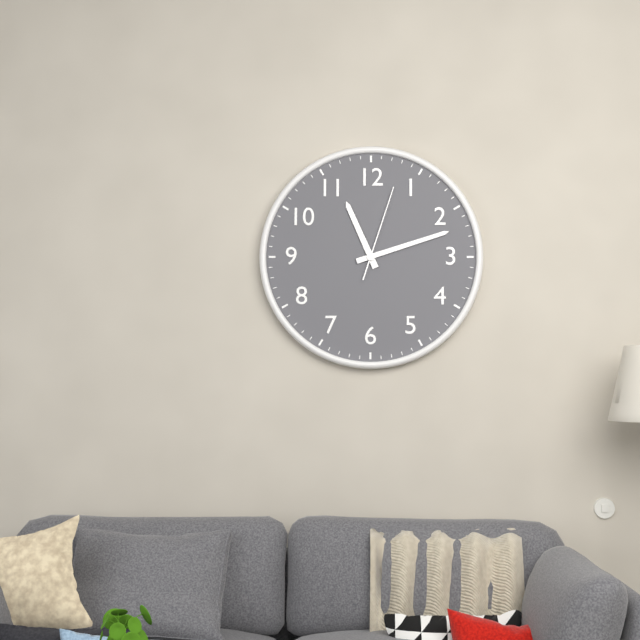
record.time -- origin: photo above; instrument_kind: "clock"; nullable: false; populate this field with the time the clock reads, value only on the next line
11:12:03
